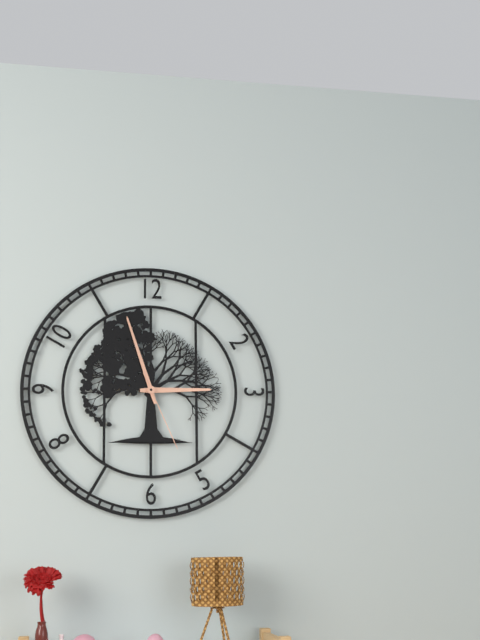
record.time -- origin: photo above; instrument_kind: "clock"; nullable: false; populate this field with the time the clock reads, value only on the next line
2:57:26
